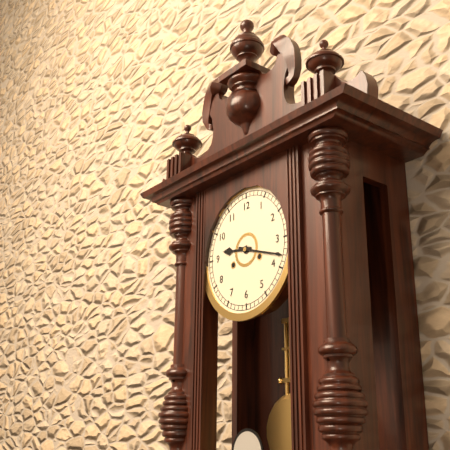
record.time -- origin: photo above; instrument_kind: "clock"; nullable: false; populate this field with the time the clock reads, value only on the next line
9:18
